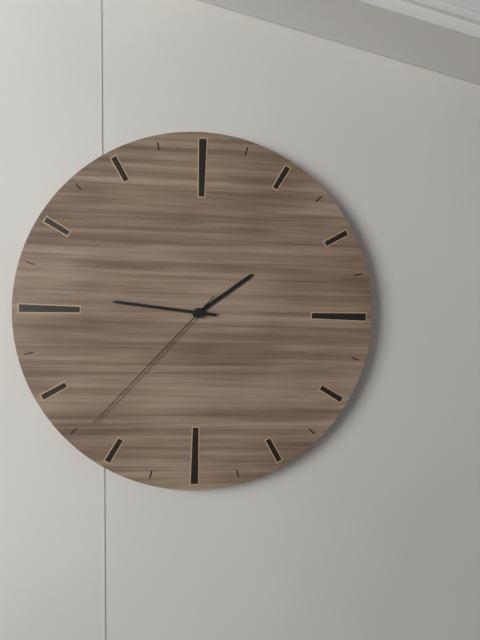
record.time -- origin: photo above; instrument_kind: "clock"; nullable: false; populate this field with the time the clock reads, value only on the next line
1:46:37
